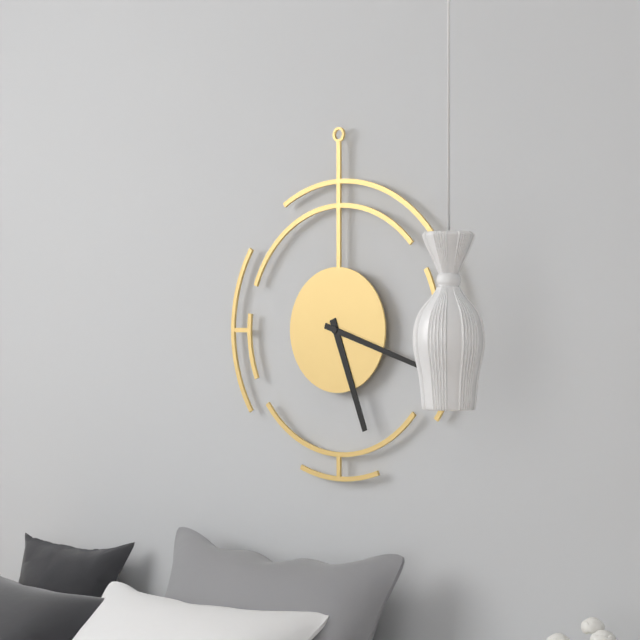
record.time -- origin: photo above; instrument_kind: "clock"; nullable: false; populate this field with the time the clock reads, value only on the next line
5:18
